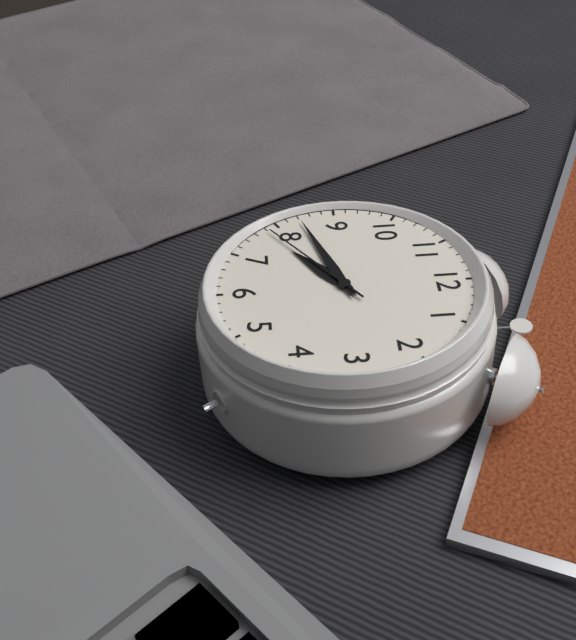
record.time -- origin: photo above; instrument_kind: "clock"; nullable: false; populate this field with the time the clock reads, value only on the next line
7:42:39
